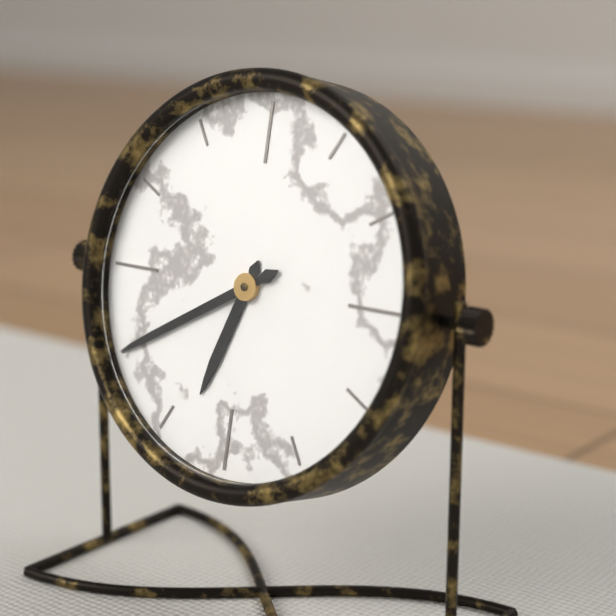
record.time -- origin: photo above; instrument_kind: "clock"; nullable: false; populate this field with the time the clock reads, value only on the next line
6:40
